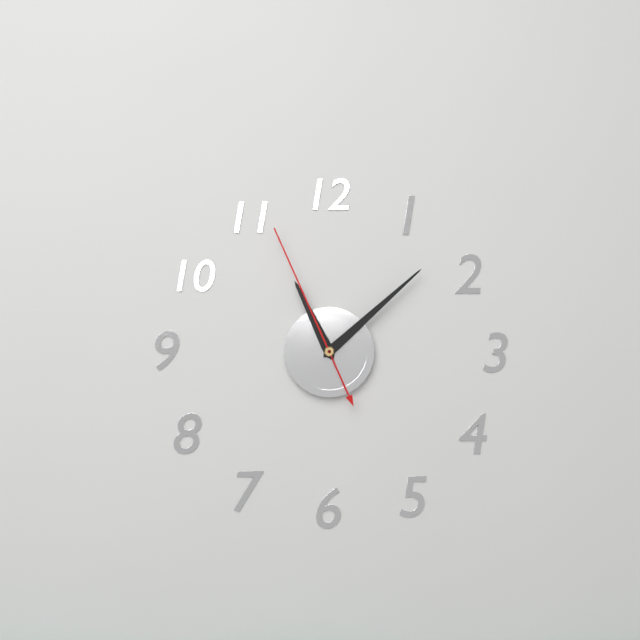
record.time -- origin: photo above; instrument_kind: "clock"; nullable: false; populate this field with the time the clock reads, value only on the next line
11:08:56
